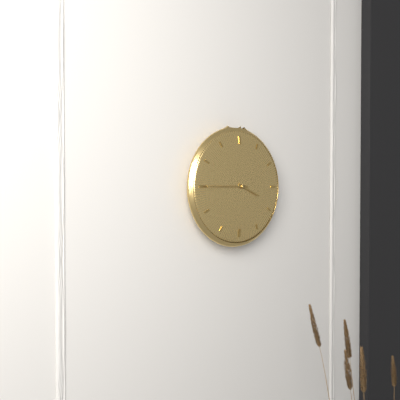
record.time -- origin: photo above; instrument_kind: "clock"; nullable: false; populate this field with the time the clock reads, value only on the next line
3:45
